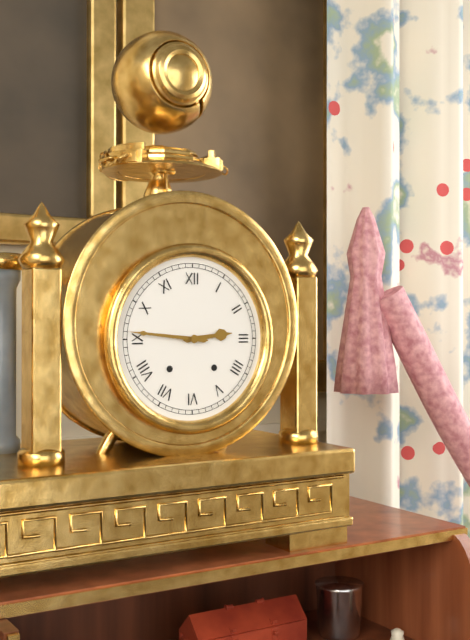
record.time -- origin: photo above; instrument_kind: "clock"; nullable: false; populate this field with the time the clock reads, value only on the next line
2:46
